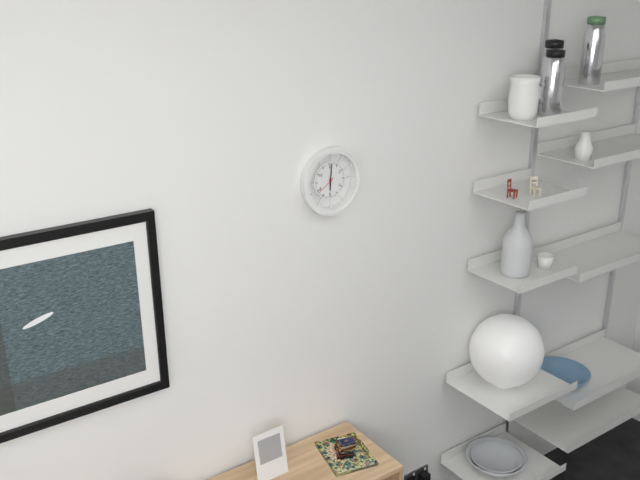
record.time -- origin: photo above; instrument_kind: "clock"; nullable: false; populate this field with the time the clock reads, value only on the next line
6:01
